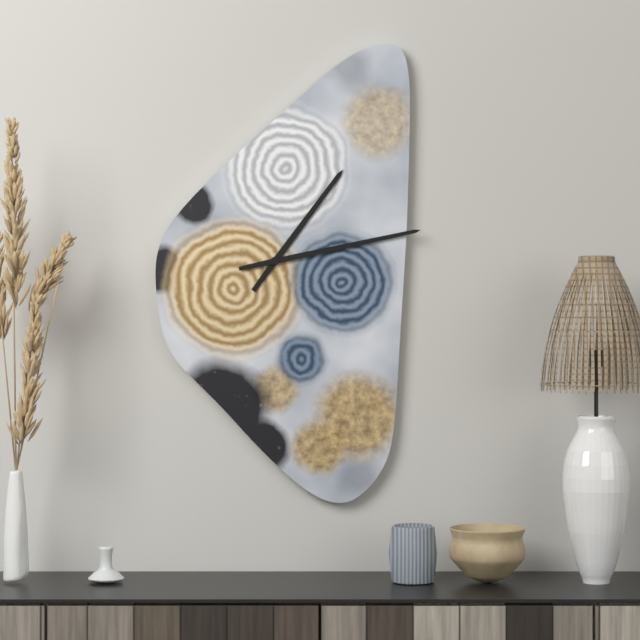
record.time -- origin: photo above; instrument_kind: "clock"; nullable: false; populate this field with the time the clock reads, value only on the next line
1:13
